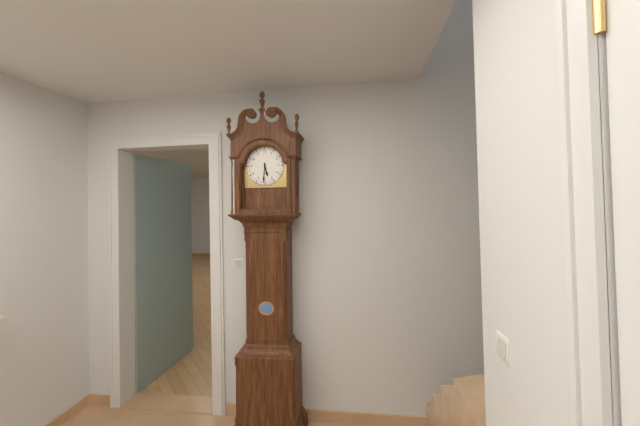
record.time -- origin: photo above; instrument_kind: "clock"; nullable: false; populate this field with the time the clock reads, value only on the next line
5:31
